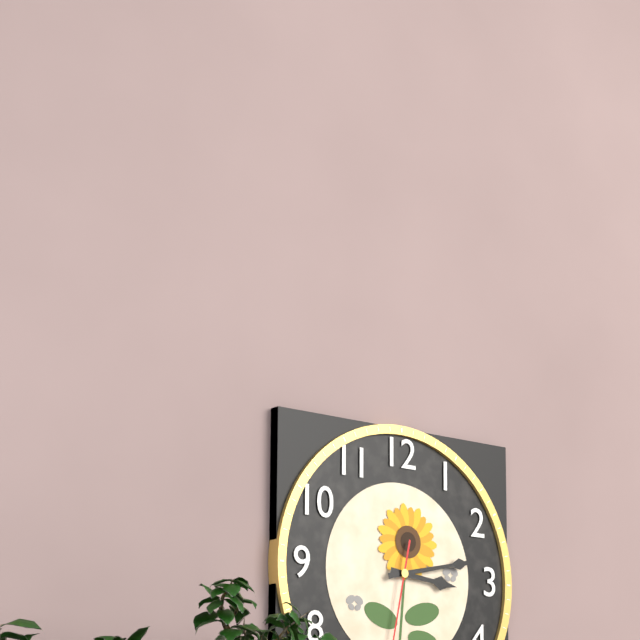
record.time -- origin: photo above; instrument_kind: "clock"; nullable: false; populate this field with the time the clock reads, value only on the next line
3:13
